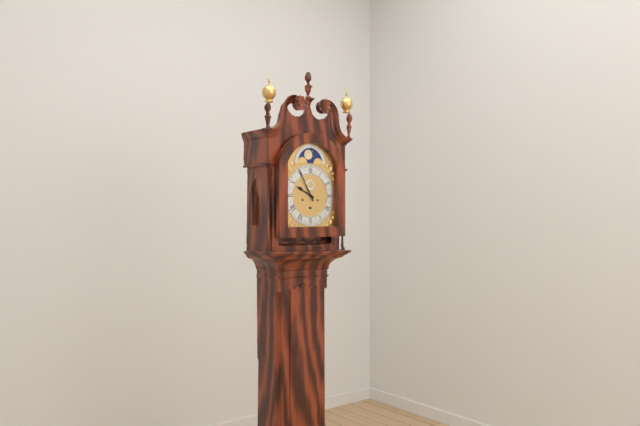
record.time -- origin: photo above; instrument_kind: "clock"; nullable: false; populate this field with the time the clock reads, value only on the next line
9:55
